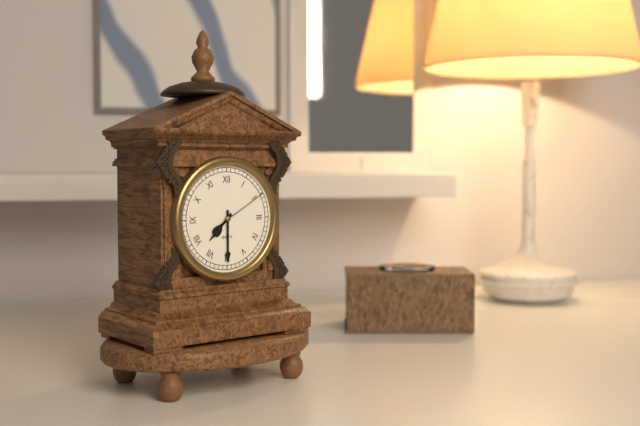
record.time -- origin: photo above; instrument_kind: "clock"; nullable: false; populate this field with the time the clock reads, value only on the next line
7:30:10
